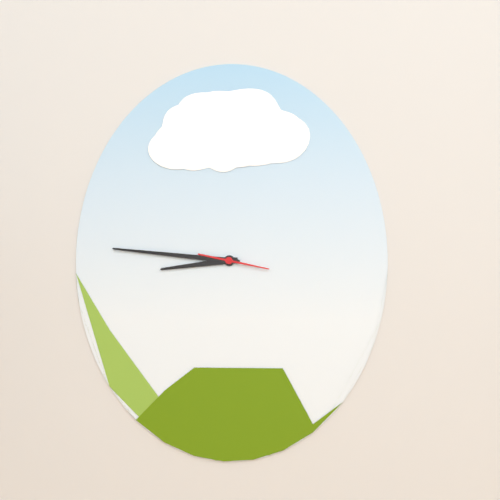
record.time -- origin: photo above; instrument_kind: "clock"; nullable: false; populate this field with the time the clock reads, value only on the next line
8:46:17
